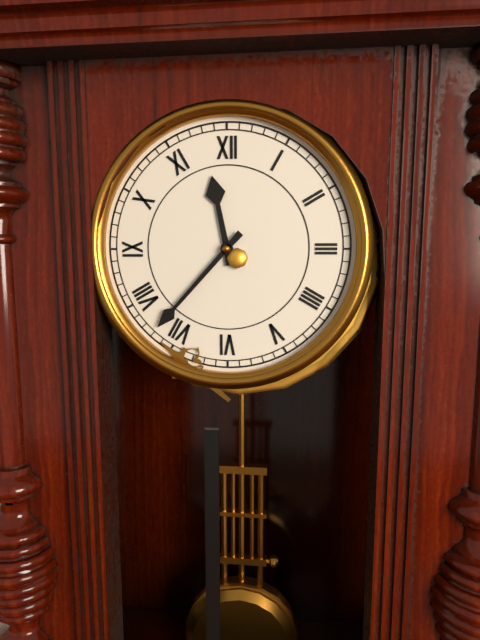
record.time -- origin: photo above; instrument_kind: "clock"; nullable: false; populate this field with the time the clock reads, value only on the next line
11:37
